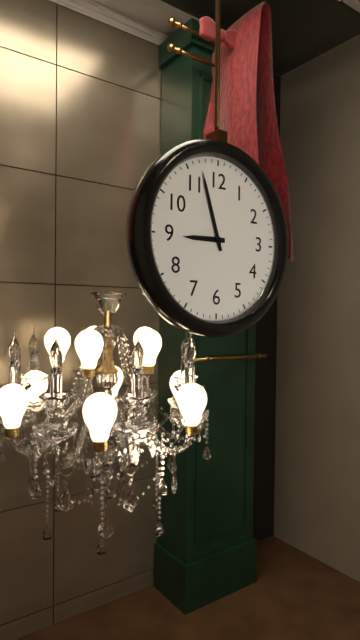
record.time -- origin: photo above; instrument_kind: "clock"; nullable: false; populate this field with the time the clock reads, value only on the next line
8:57
